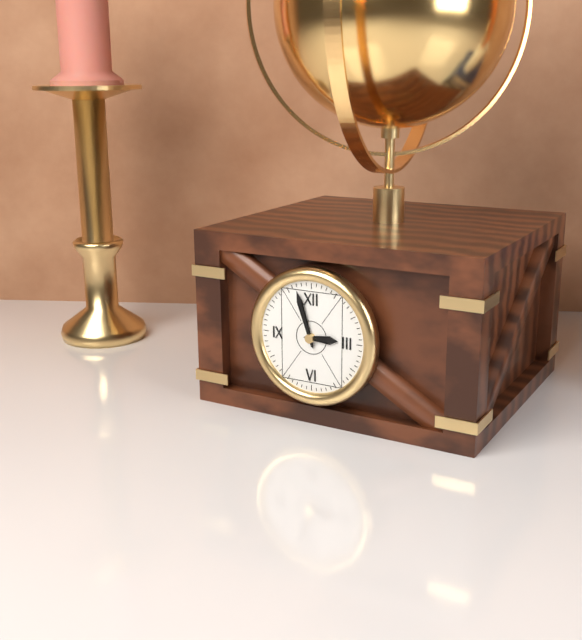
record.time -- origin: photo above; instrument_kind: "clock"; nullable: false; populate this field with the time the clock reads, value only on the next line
2:57
